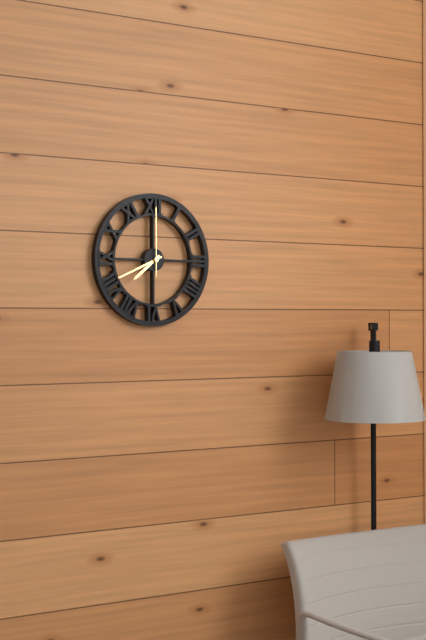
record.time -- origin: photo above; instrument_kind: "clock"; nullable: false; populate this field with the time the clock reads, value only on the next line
7:41:00
